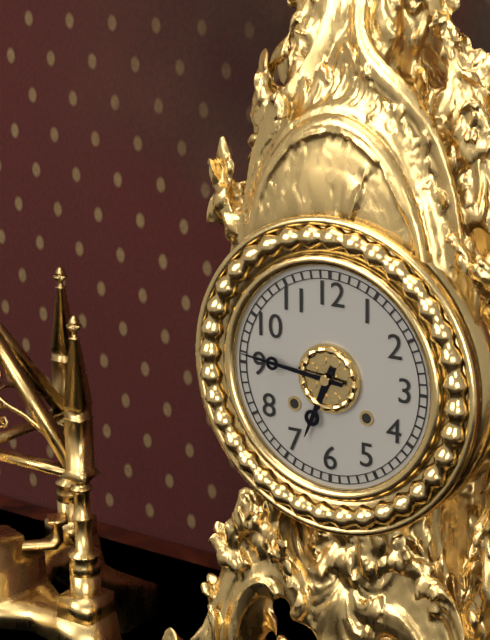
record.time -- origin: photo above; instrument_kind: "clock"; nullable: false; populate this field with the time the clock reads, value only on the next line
6:46
